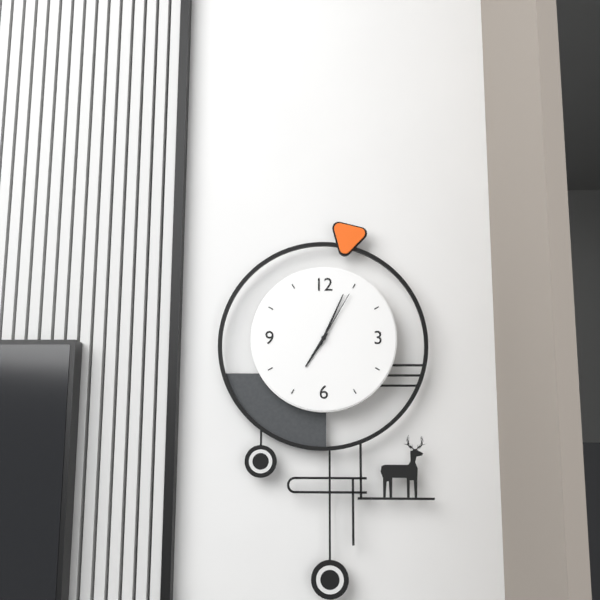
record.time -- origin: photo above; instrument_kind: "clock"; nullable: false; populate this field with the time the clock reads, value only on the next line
7:04:05
